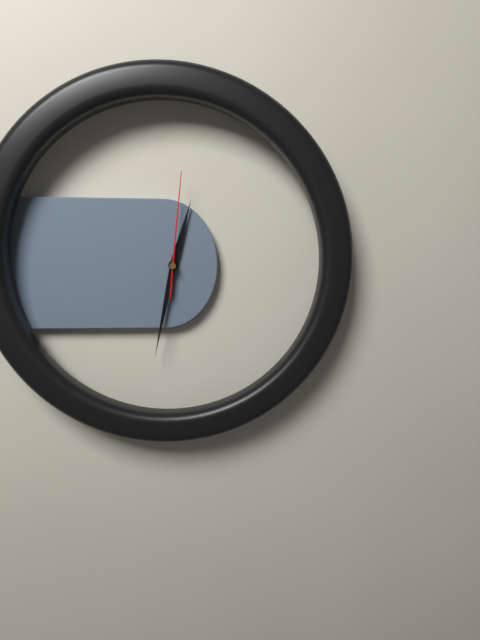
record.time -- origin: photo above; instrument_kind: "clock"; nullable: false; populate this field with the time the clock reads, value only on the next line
12:32:01
